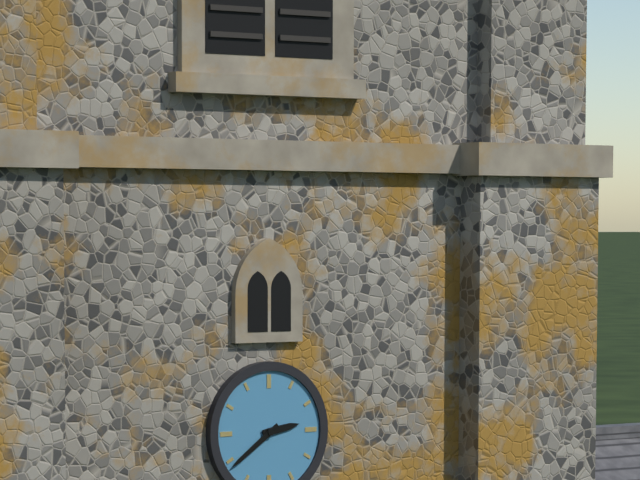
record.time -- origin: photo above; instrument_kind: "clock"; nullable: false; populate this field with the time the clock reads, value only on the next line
2:39
